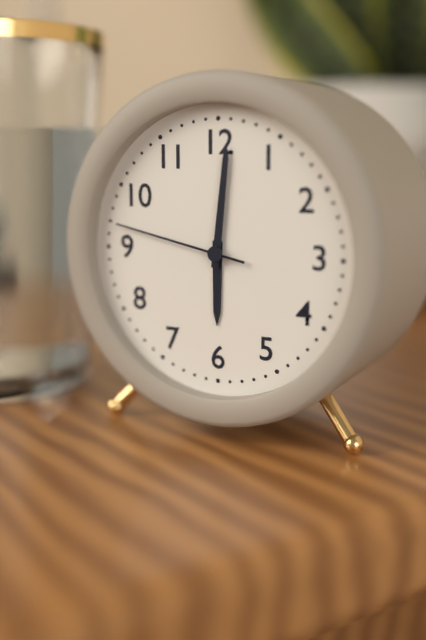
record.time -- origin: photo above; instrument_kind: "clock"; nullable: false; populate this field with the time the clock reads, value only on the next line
6:01:47
